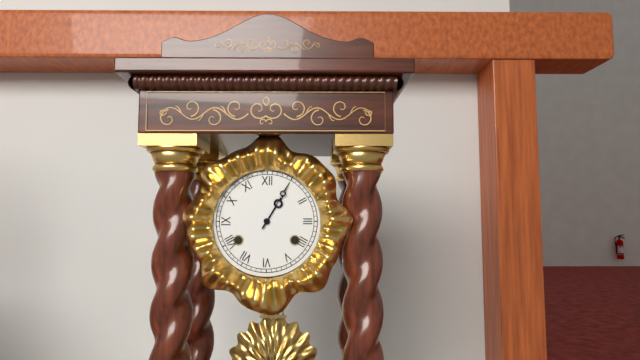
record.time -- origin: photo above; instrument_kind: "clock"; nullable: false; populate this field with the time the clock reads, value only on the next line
1:05
